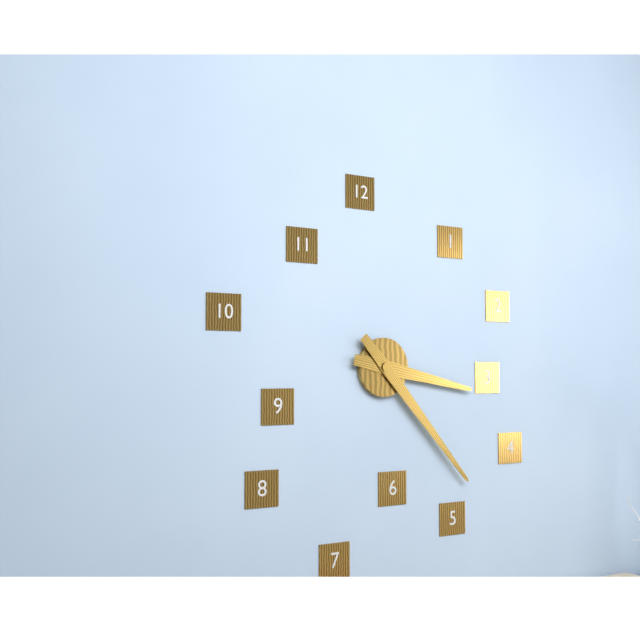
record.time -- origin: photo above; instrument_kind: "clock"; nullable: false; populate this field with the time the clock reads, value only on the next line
3:23
